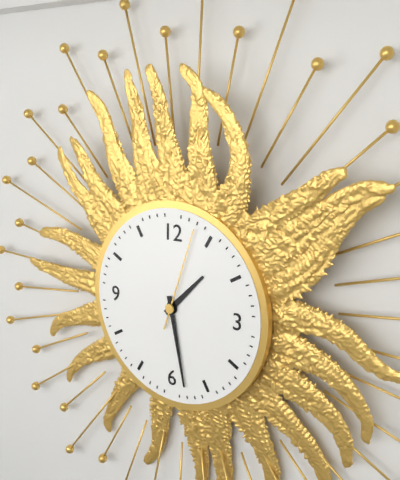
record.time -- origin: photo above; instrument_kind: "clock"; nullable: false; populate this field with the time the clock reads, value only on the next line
1:28:03
